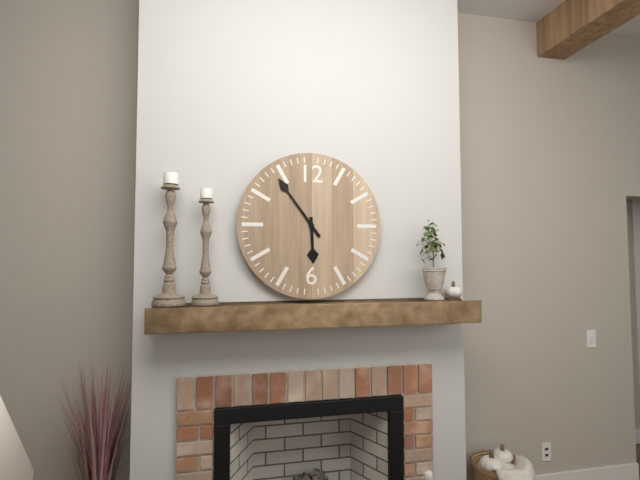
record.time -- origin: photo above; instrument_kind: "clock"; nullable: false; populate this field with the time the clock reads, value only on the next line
5:54
